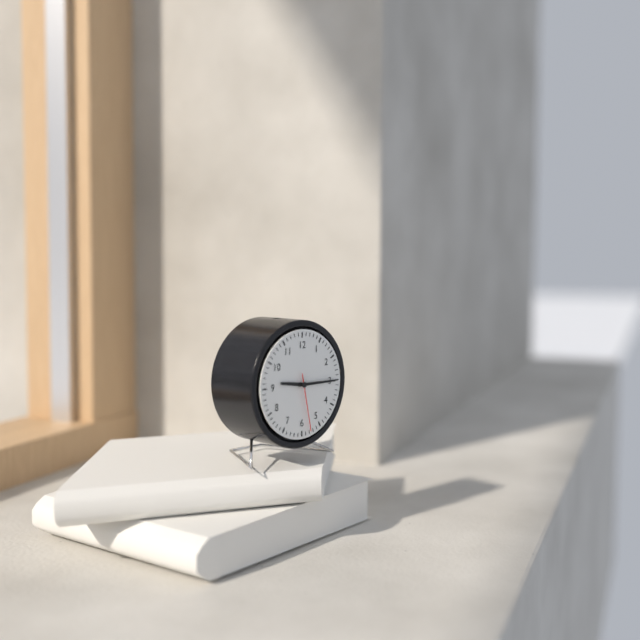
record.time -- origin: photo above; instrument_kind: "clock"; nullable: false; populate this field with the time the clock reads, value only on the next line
9:15:28
